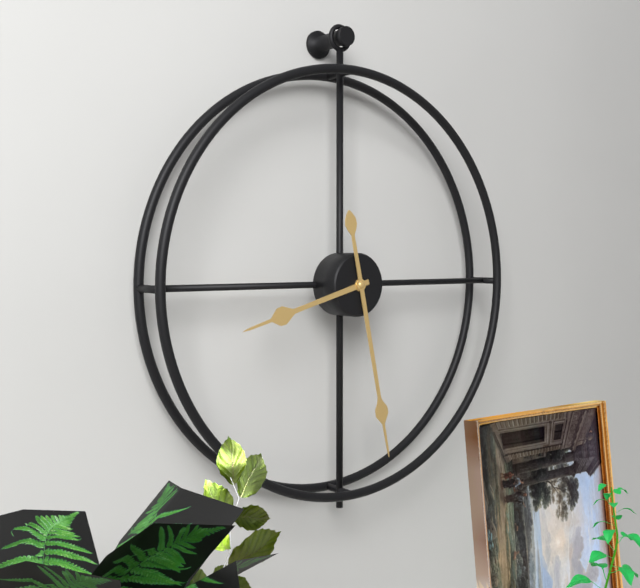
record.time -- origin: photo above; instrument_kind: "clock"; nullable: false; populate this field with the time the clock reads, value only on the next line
8:28
